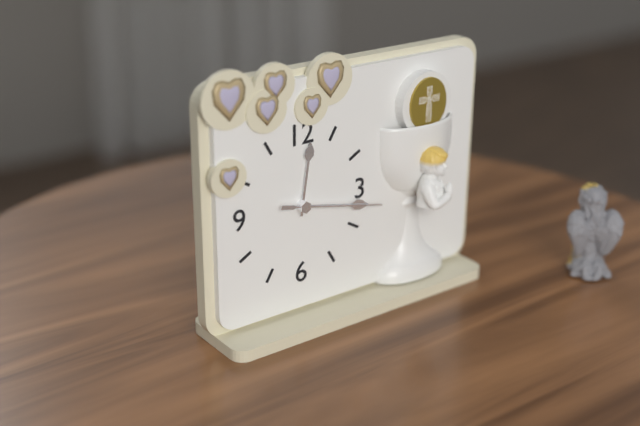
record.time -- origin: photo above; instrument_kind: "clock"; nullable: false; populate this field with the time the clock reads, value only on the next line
12:17:17
